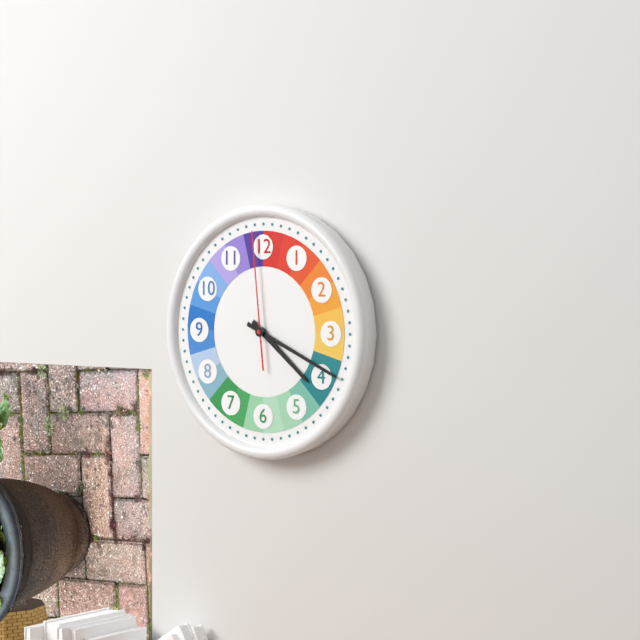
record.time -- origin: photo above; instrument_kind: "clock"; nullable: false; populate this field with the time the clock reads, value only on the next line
4:19:59
